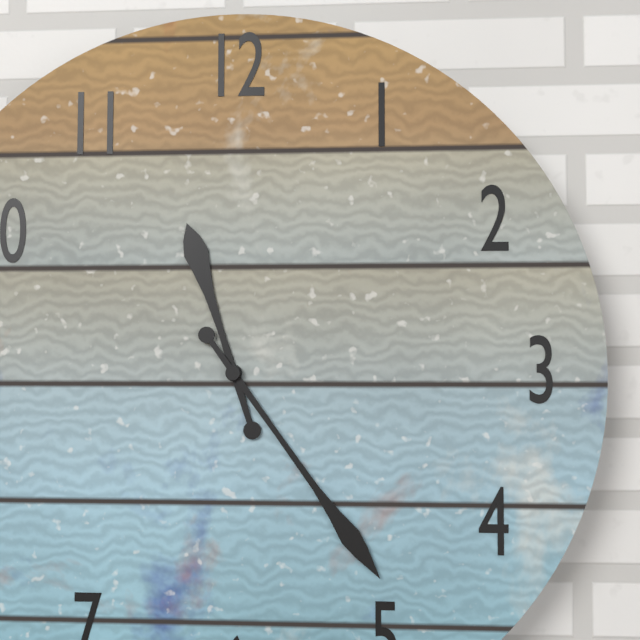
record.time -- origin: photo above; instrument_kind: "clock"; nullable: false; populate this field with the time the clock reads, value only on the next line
11:24
